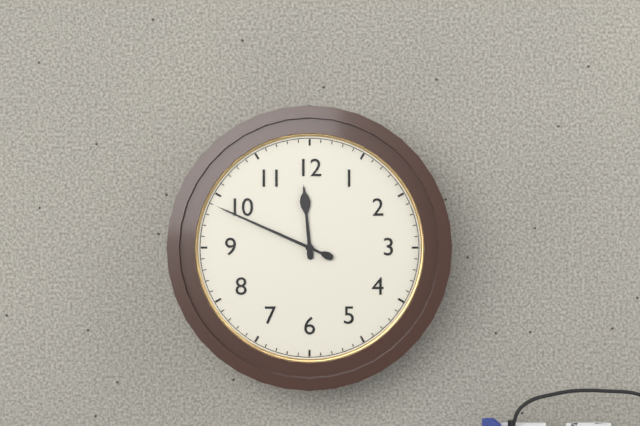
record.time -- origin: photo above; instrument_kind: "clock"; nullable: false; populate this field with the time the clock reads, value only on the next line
11:49
